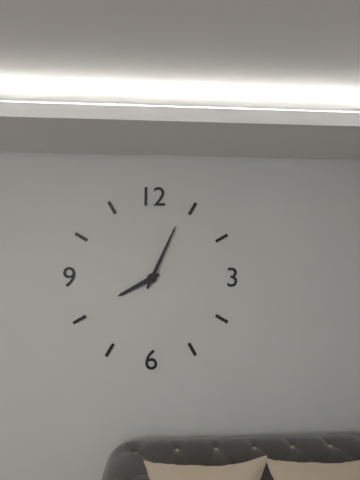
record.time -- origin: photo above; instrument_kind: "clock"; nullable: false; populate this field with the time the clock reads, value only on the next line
8:04
